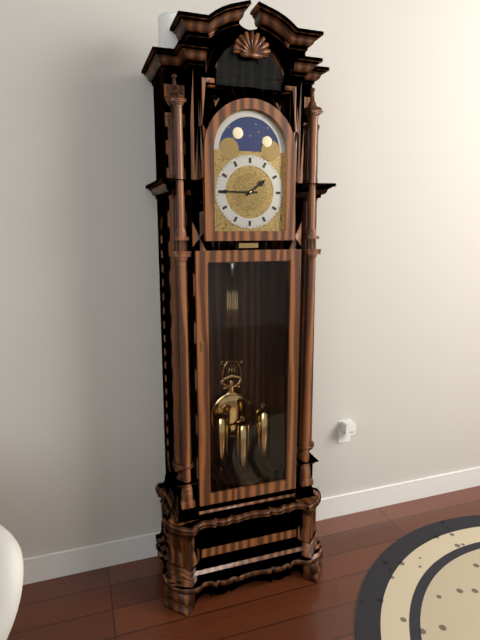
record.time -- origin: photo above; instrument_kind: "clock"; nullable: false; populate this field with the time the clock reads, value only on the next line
1:45
